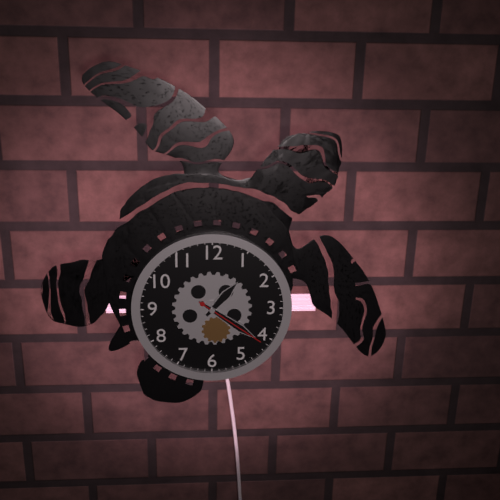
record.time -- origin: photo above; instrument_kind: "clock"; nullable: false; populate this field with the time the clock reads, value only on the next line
1:21:21
